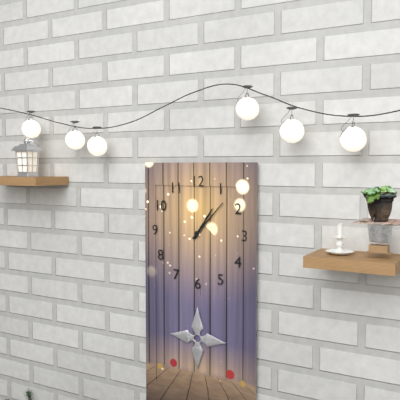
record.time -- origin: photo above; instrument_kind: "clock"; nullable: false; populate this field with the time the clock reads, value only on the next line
1:07
